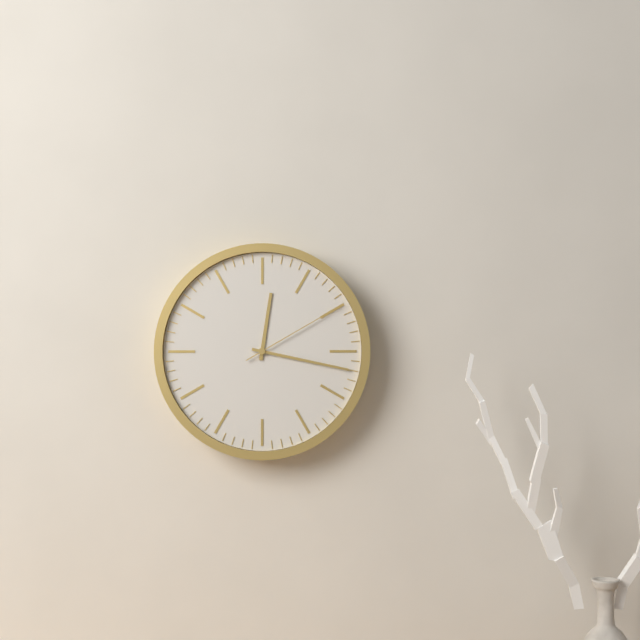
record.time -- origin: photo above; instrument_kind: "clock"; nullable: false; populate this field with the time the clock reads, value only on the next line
12:17:10
